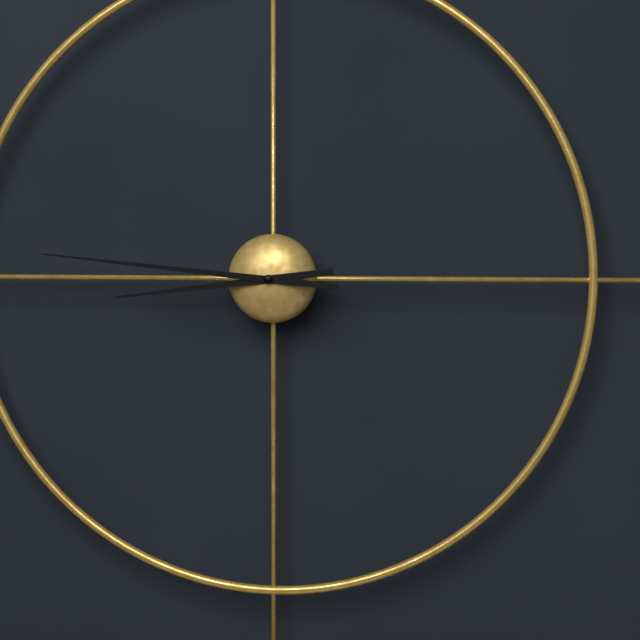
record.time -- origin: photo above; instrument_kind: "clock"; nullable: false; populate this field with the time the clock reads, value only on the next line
8:46
